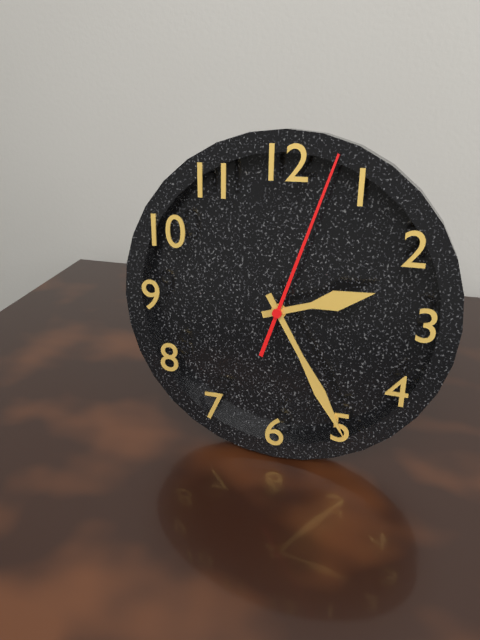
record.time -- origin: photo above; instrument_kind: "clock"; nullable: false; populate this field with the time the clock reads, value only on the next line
2:25:03
